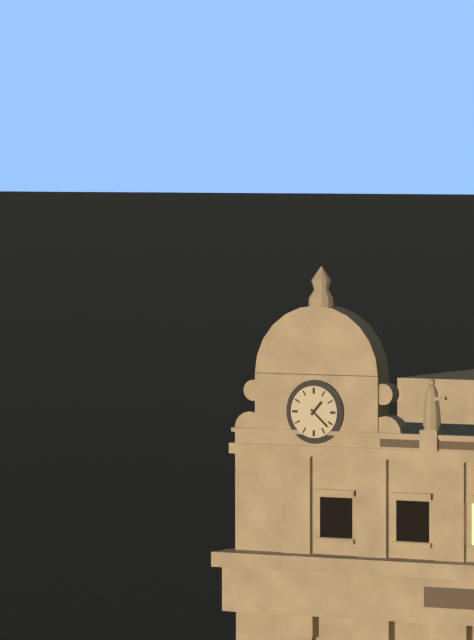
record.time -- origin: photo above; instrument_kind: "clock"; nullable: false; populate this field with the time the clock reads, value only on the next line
1:22
